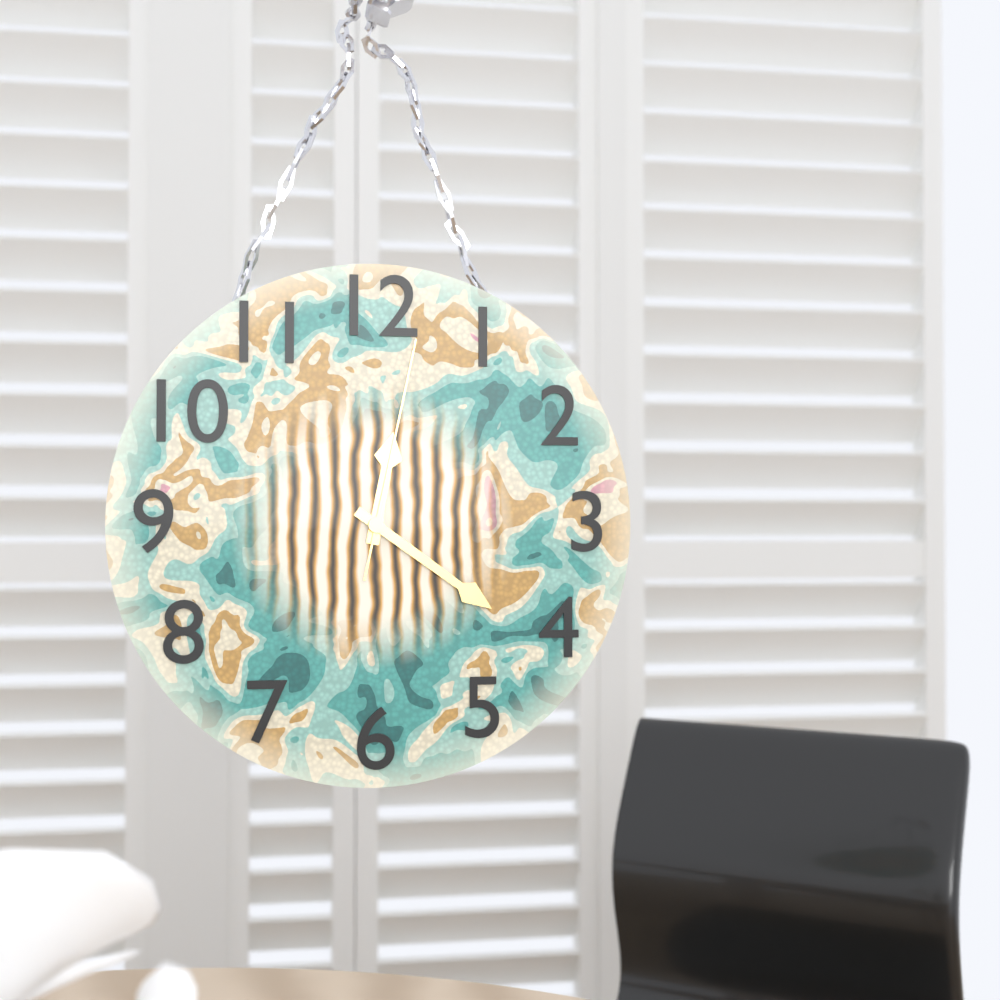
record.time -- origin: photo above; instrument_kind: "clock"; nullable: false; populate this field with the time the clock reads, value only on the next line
12:21:02
